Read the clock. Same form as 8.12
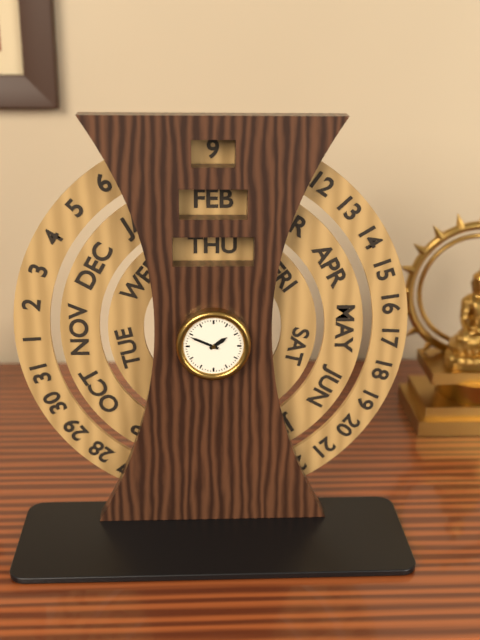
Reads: 1.49
